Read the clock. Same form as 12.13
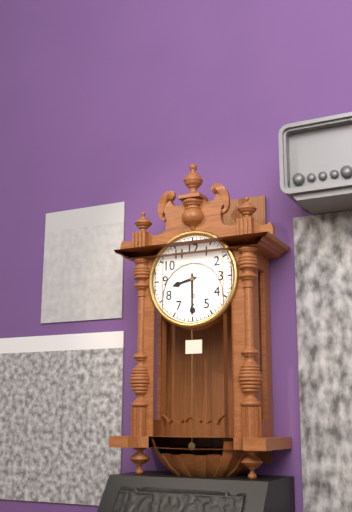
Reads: 8.30
